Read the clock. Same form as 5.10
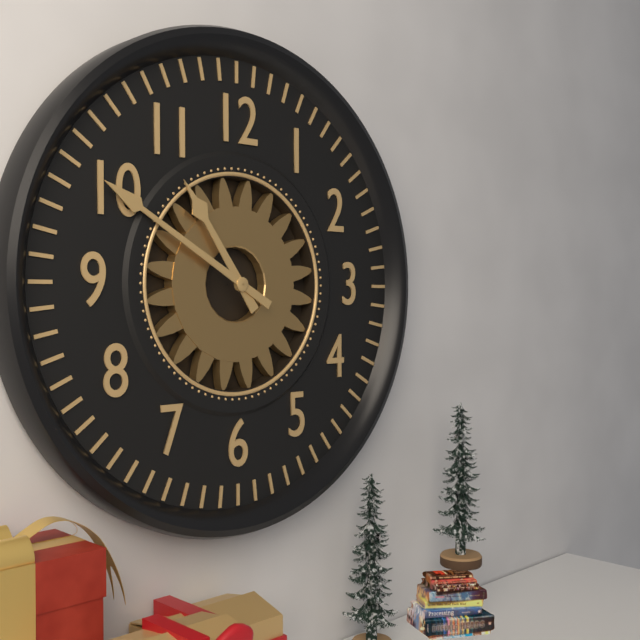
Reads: 10.50
